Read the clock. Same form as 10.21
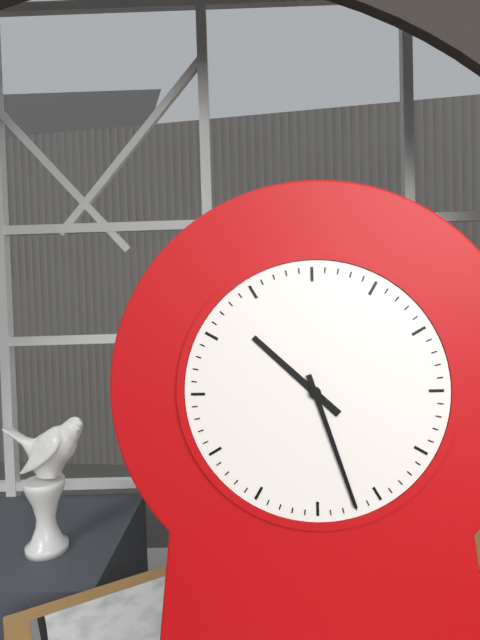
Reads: 10.27
